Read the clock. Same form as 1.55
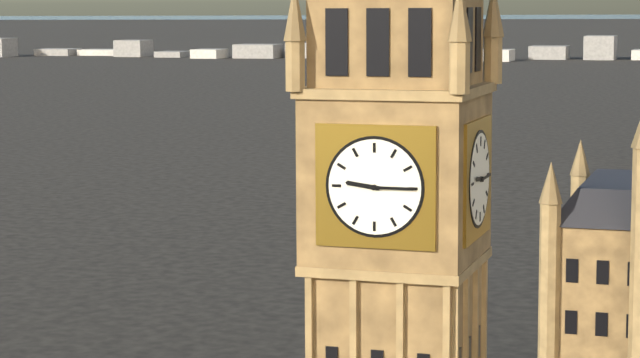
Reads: 9.15
